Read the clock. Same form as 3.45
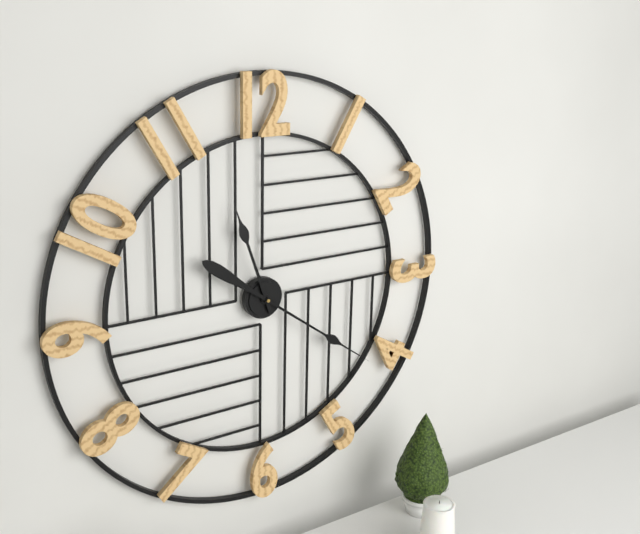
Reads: 11.21
